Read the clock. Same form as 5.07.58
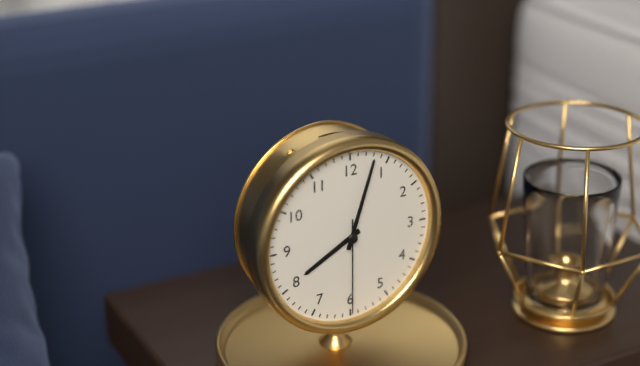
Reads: 8.03.30
